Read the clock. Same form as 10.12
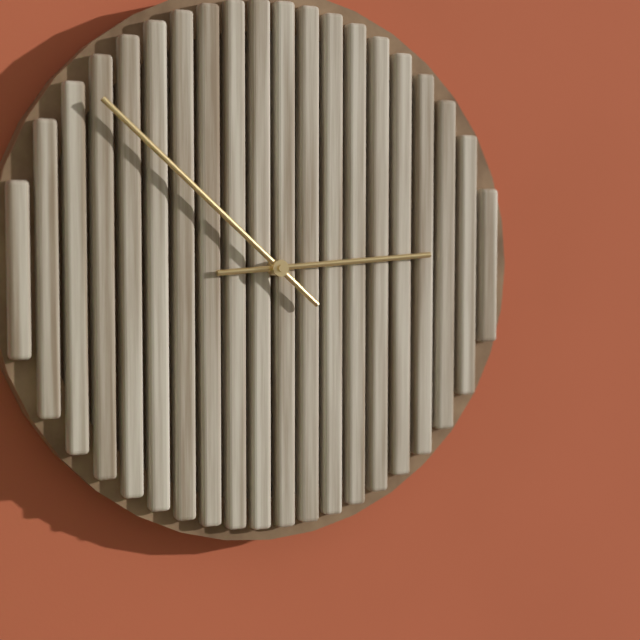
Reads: 2.52
